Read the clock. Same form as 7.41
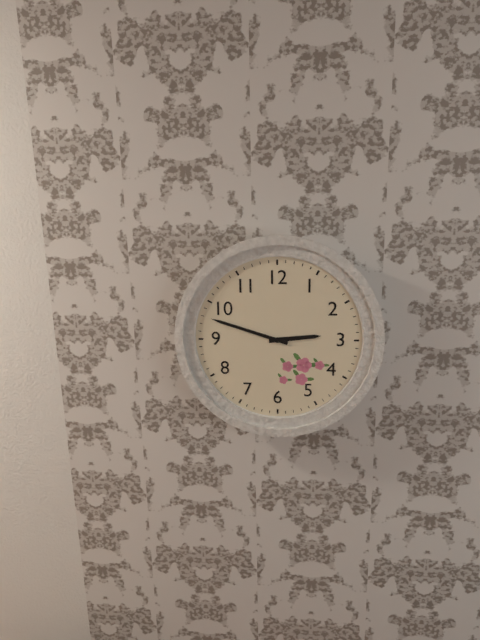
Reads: 2.48
